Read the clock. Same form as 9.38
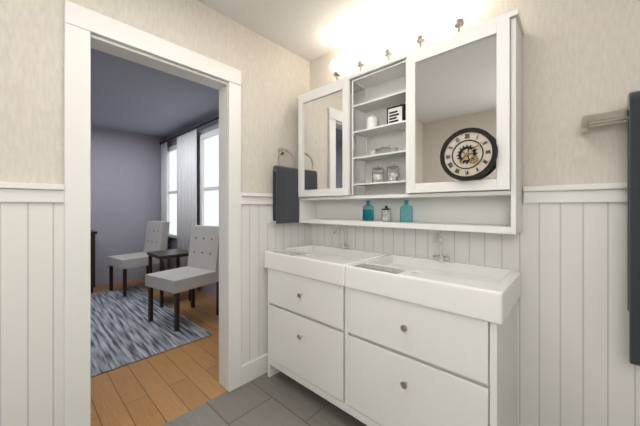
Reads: 7.09
